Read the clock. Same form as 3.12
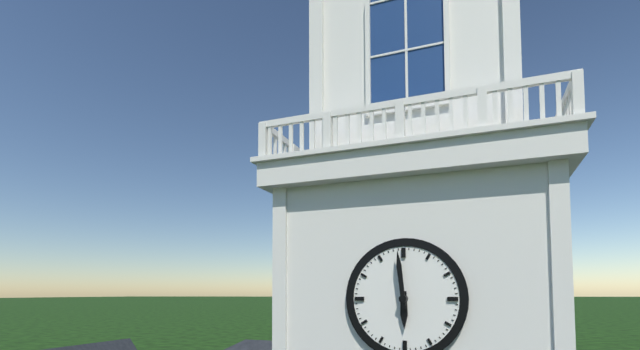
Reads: 5.59
